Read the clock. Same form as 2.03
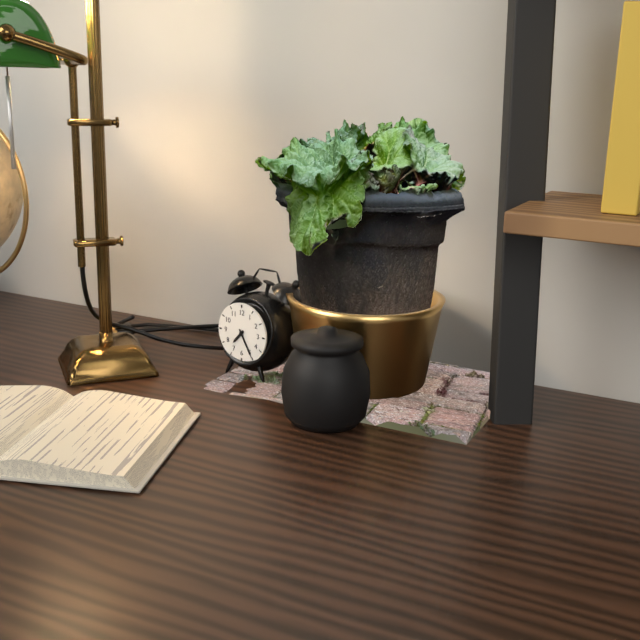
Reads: 7.25
